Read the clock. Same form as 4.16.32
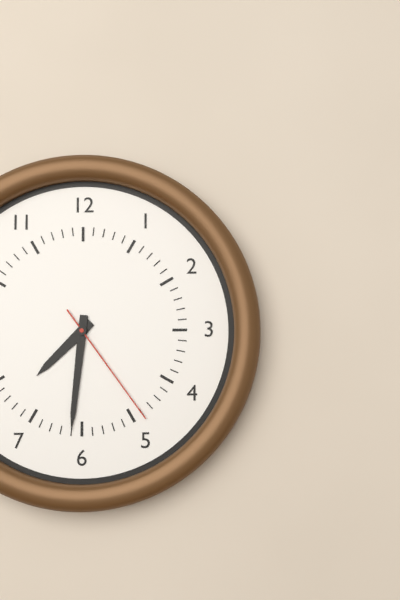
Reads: 7.31.24
